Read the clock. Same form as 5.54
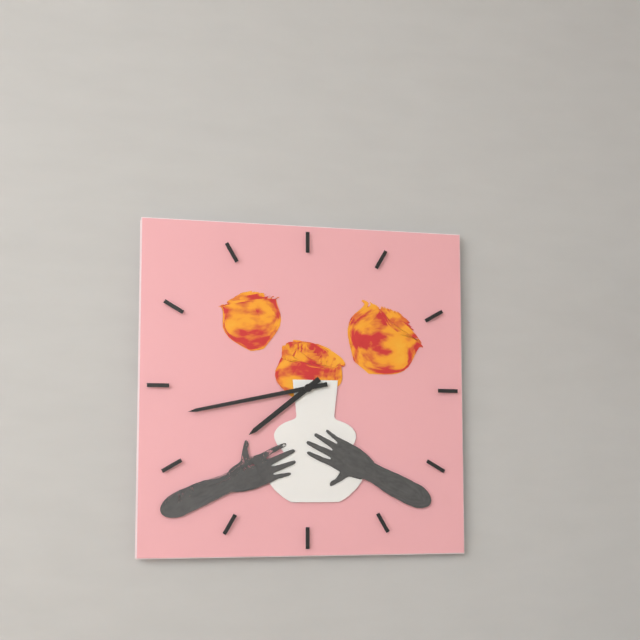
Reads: 7.43
